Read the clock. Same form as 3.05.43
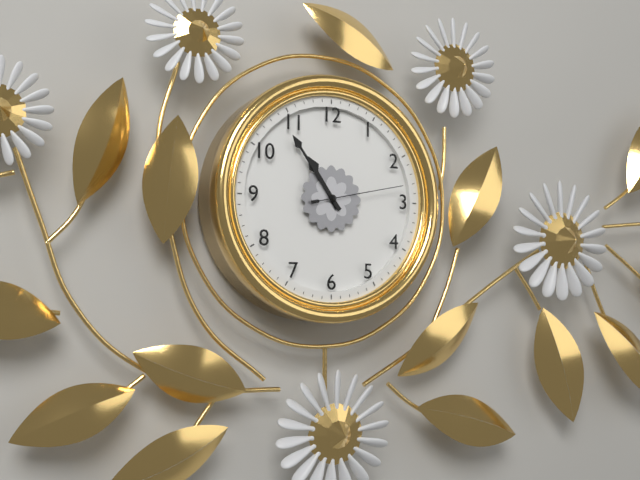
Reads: 10.54.13
